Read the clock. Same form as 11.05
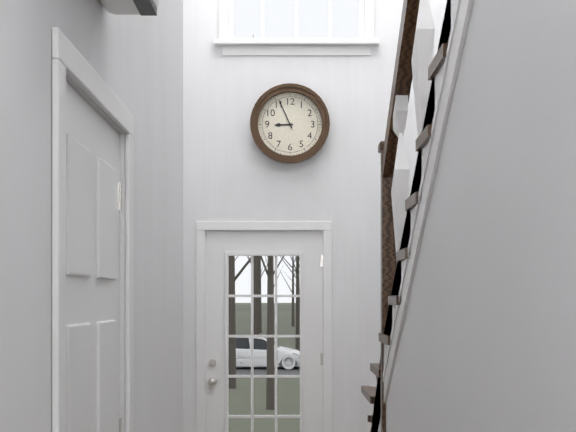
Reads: 8.56
